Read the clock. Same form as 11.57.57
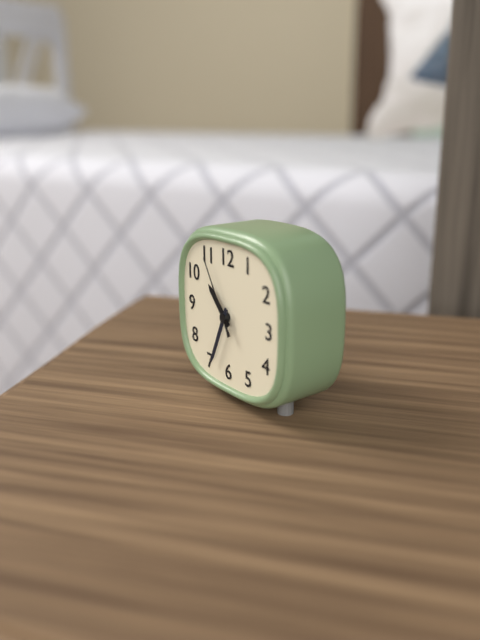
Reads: 10.34.55
